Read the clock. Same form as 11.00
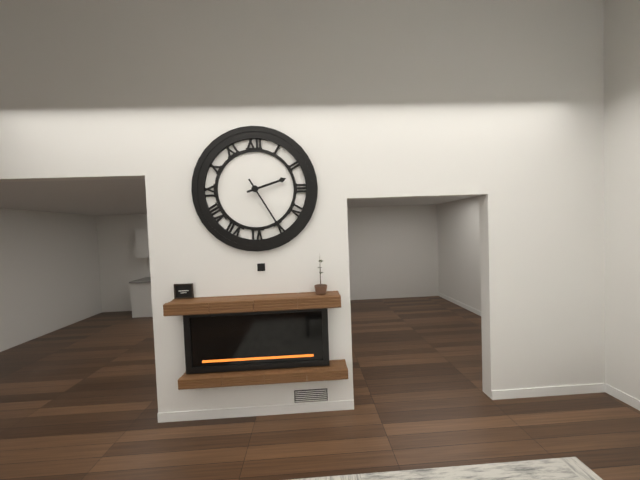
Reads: 2.25
